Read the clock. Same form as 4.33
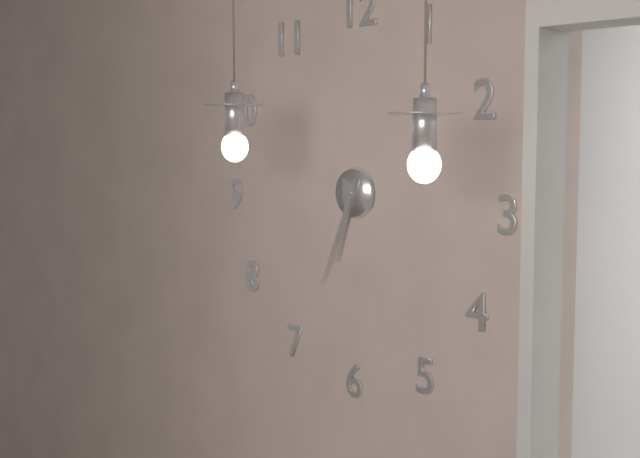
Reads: 6.34
